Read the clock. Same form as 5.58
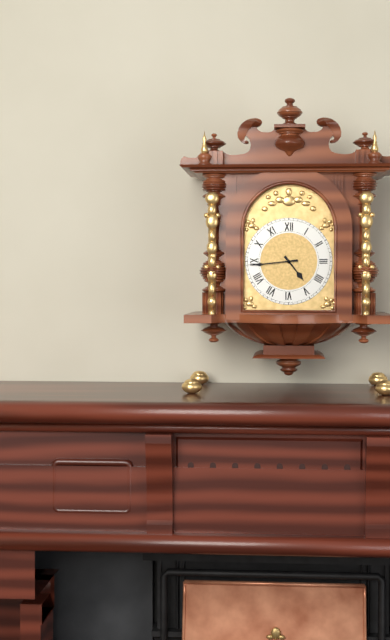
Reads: 4.44
